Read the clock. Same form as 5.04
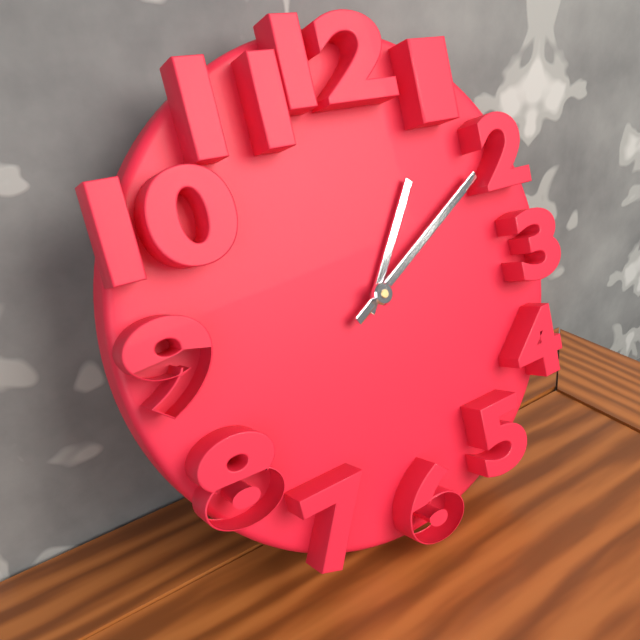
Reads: 1.10
